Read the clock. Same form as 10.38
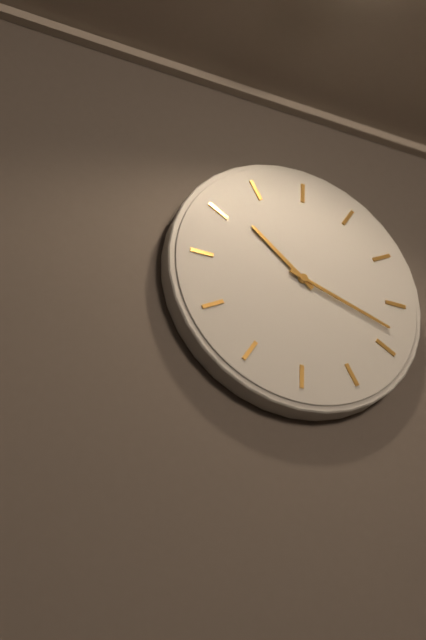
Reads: 10.18
